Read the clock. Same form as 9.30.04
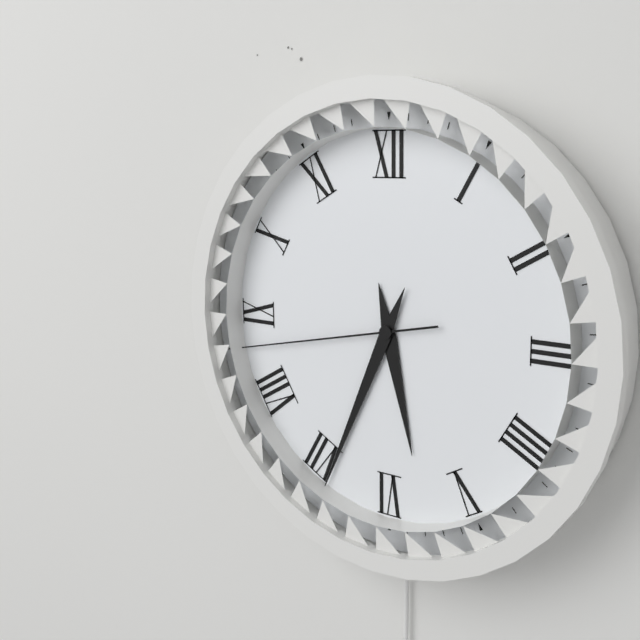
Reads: 5.34.43
